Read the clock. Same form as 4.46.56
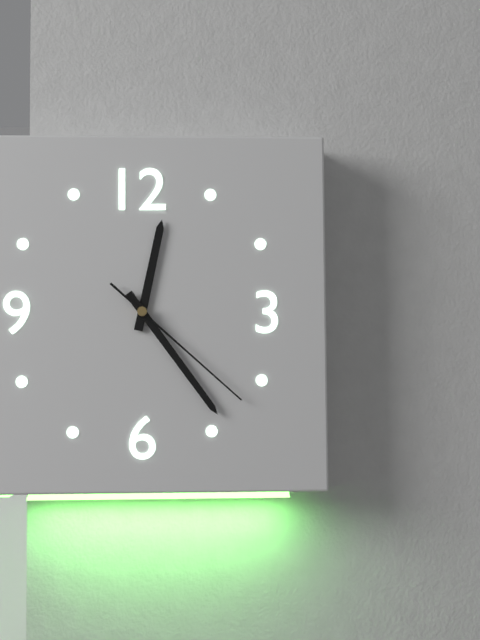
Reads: 12.24.22
